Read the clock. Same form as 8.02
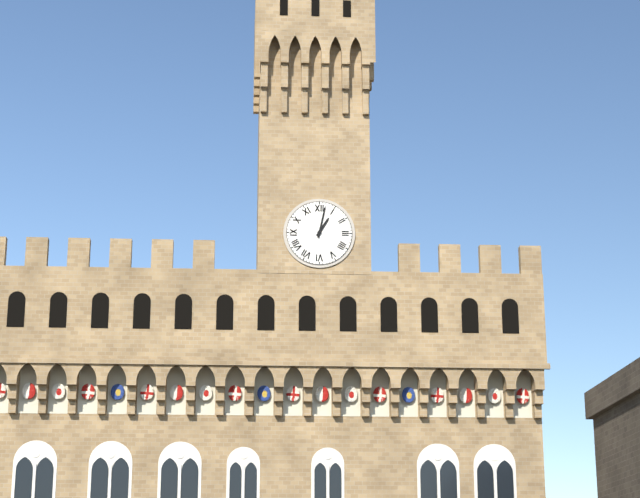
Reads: 1.02
